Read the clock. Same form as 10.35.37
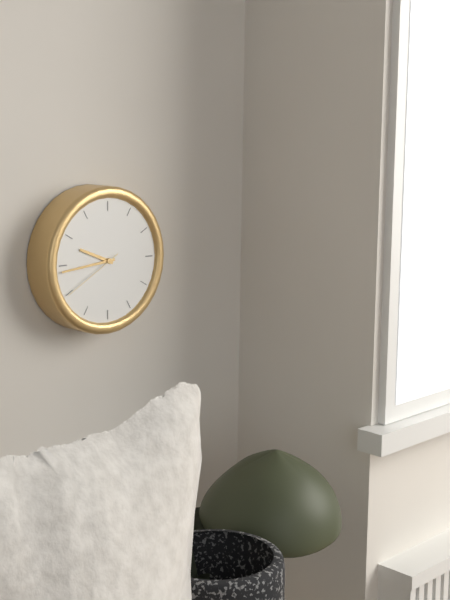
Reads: 9.44.40
